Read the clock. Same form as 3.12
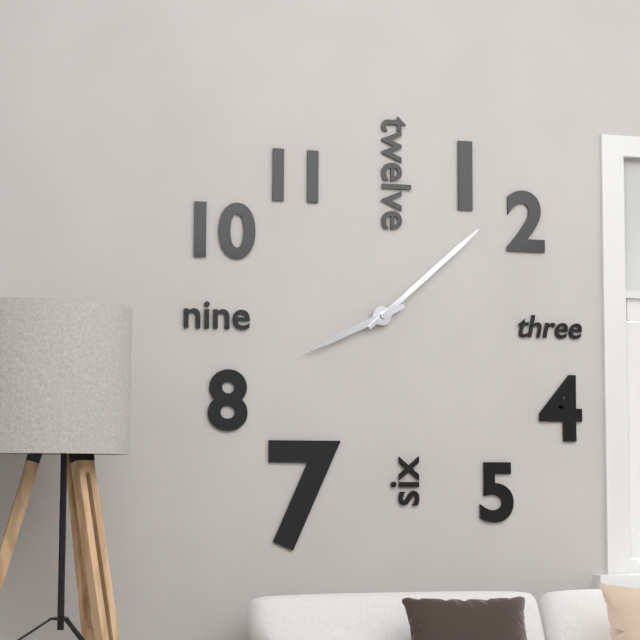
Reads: 8.08
